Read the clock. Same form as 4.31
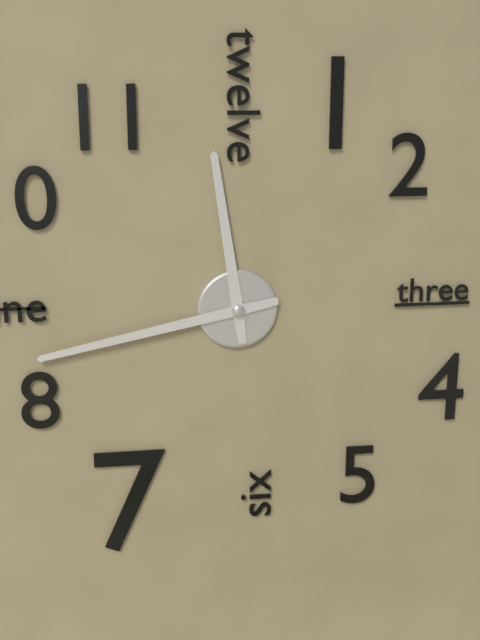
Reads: 11.43
